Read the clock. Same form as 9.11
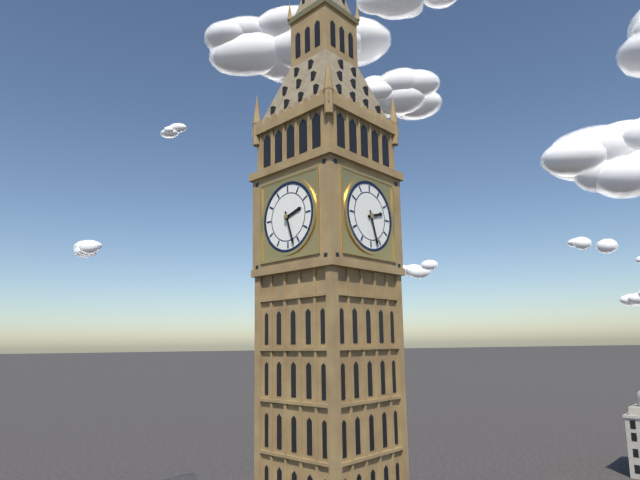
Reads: 2.27
